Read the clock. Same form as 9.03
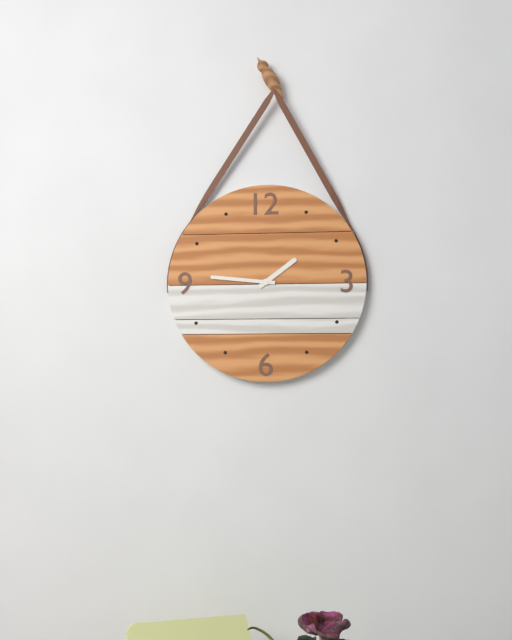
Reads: 1.46
